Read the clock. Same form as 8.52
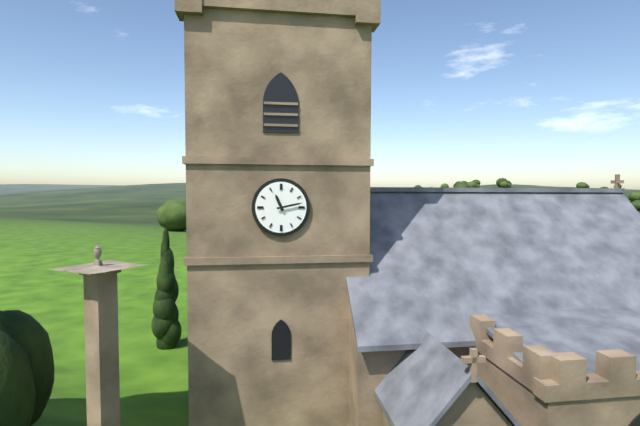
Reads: 11.13
